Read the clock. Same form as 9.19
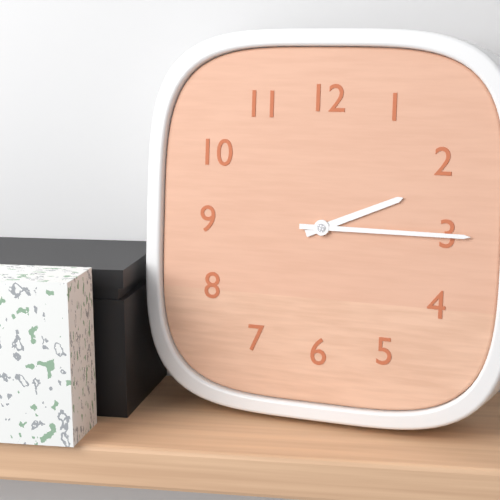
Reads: 2.15
